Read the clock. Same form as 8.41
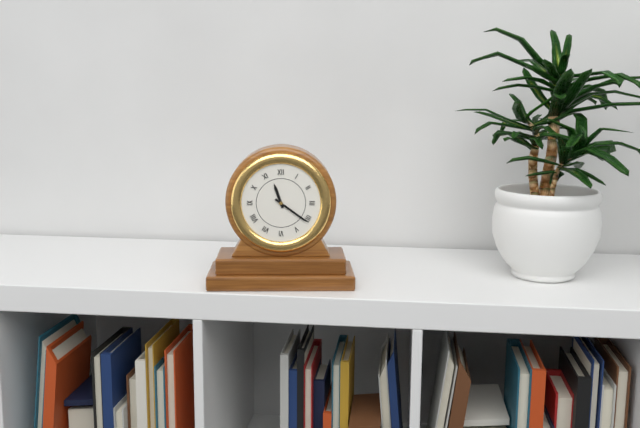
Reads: 11.21
